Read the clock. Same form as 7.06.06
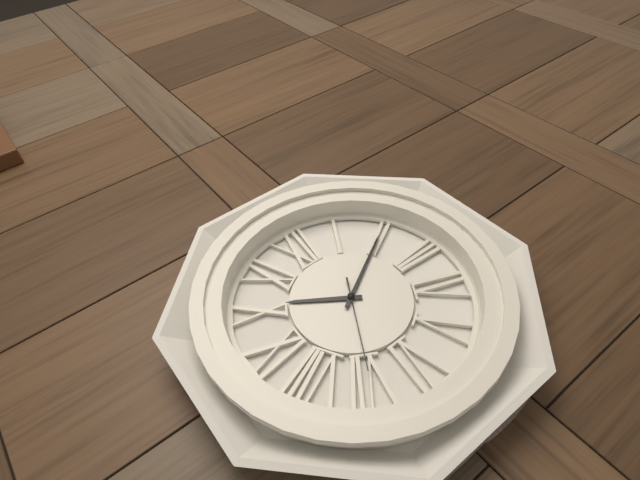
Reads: 10.10.35
